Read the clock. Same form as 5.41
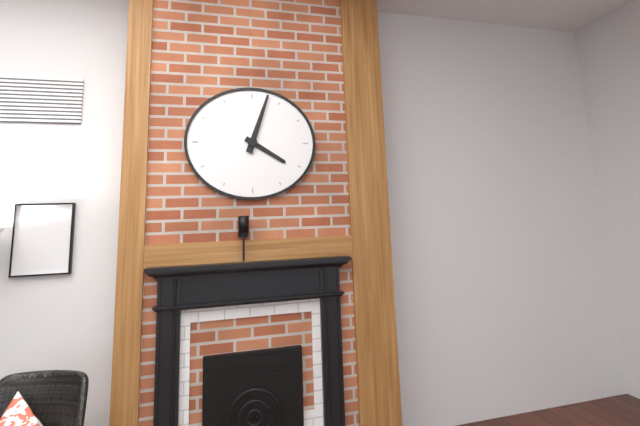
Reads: 4.03
